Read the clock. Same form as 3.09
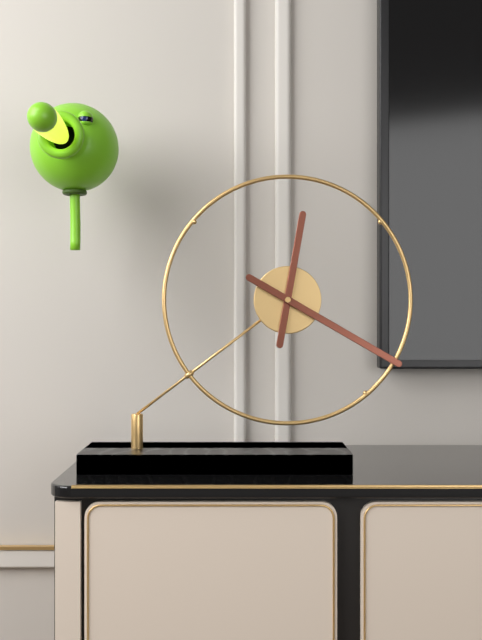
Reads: 12.20
